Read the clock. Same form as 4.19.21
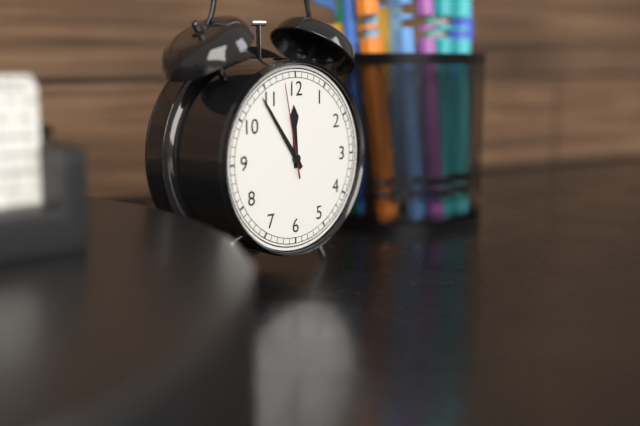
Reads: 11.54.58
